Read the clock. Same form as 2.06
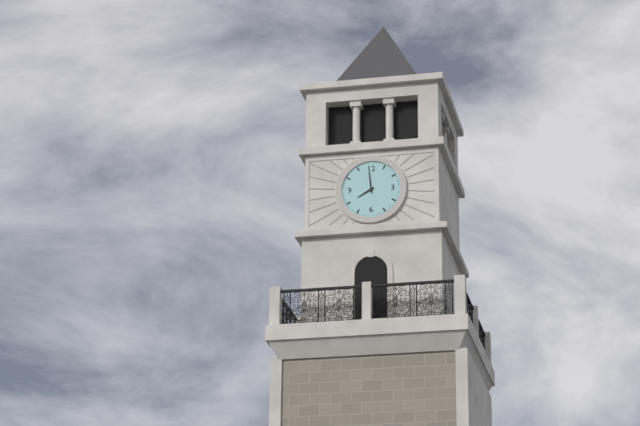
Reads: 7.59
